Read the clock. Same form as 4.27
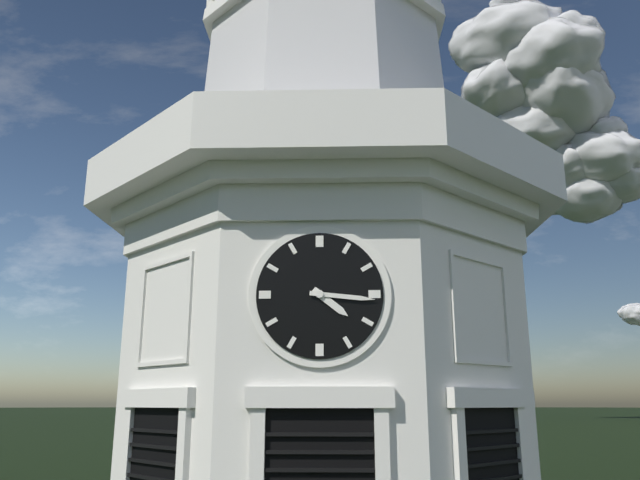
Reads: 4.16
